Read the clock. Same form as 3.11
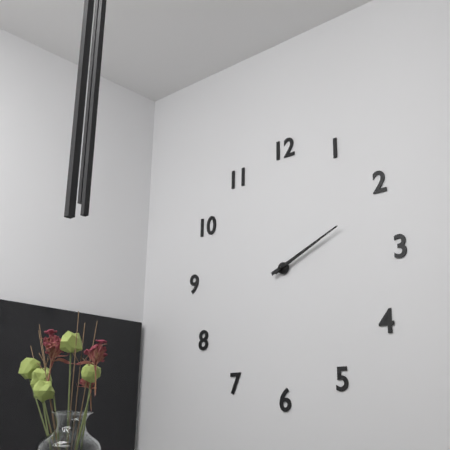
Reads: 2.11
